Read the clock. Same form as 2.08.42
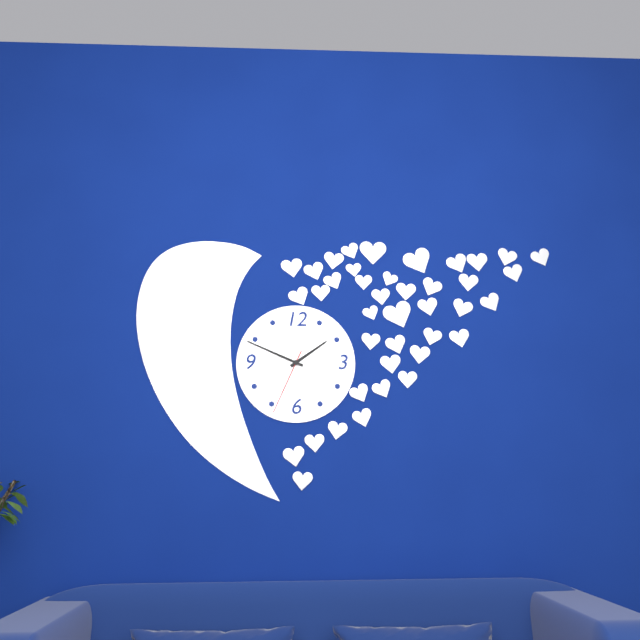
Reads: 1.49.34
